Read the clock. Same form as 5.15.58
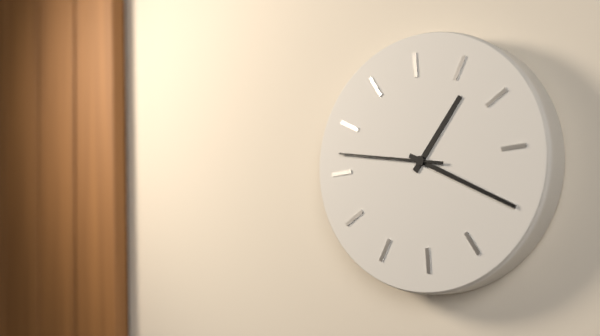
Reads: 1.20.47
